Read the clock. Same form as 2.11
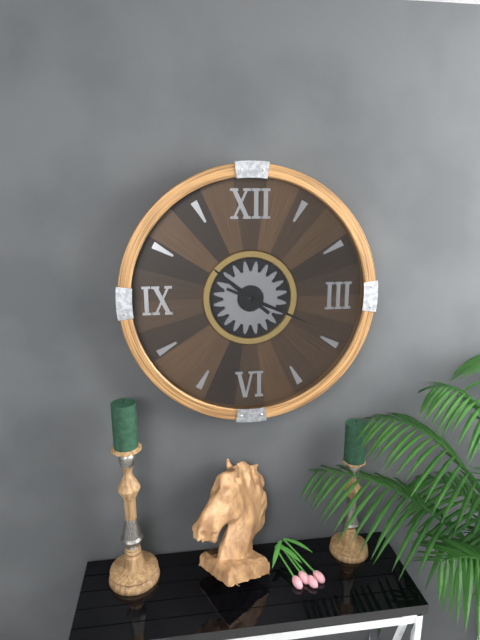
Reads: 10.19
